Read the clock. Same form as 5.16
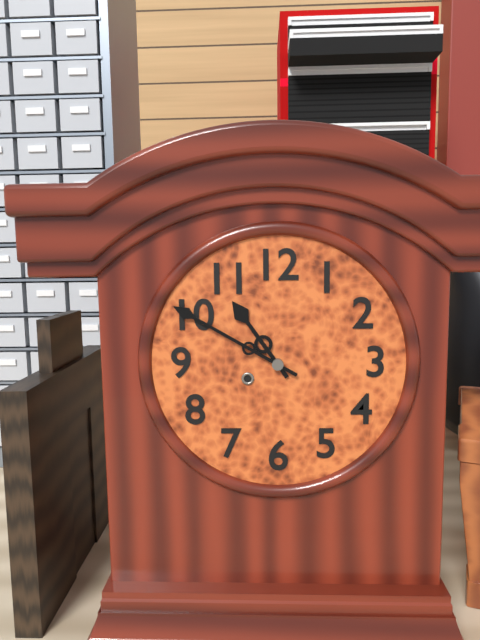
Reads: 10.50
